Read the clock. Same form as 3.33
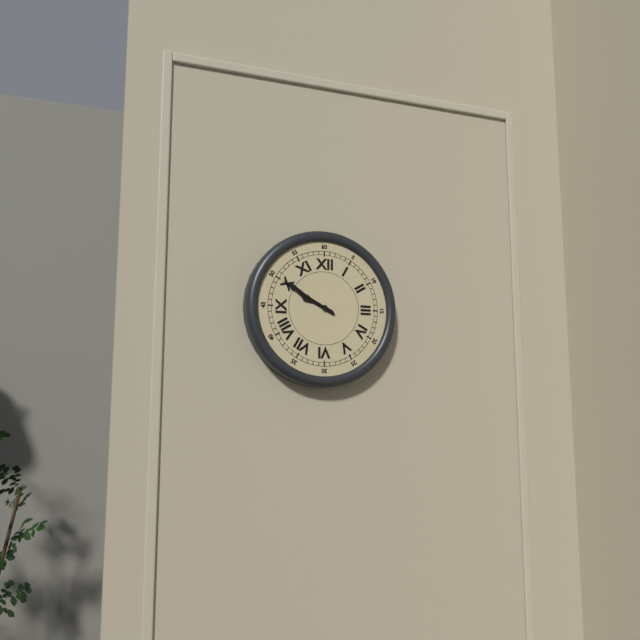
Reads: 9.50
